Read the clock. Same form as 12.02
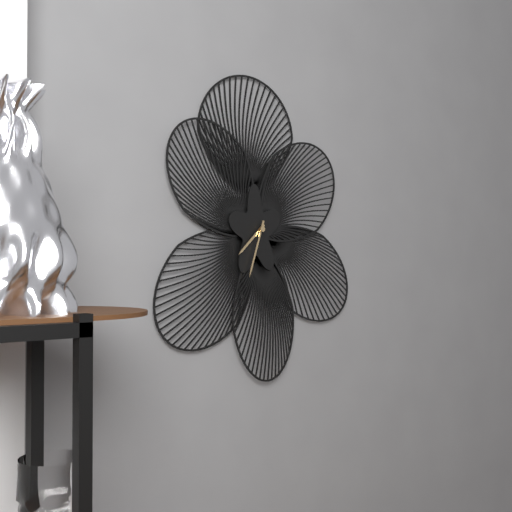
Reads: 7.33
